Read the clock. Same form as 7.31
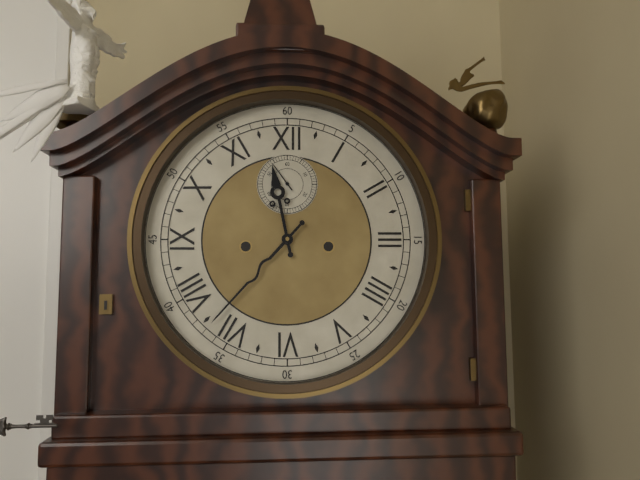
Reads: 11.37
